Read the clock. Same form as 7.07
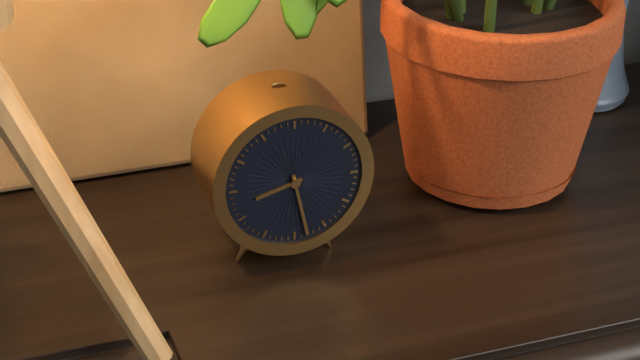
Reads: 8.28
